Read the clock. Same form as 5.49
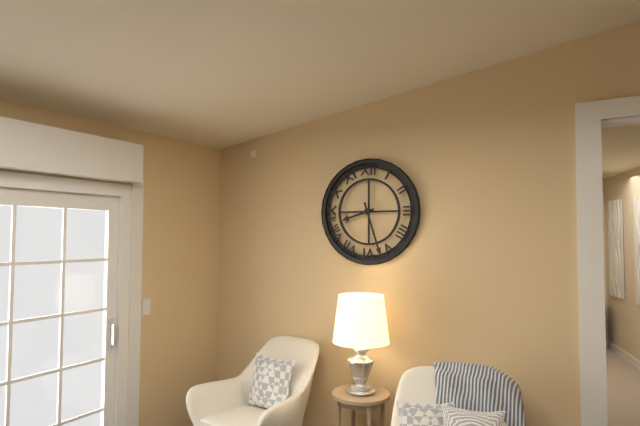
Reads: 8.27
